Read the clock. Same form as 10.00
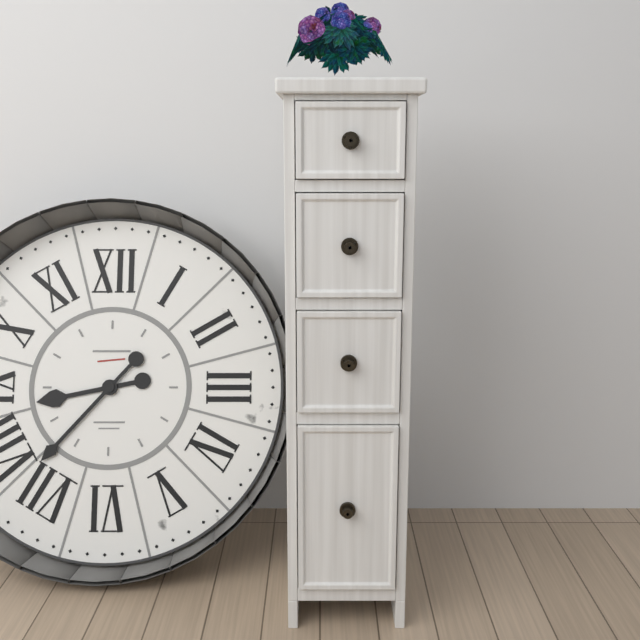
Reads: 8.37
